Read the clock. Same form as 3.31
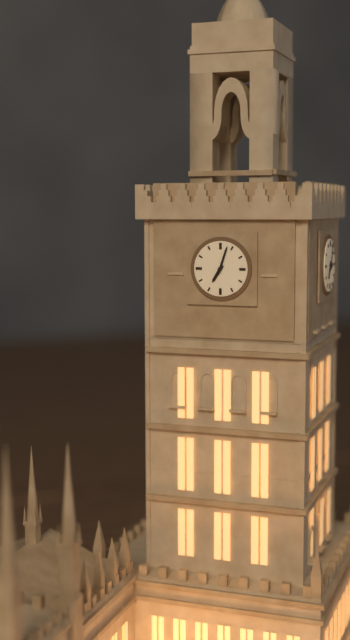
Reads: 7.03
